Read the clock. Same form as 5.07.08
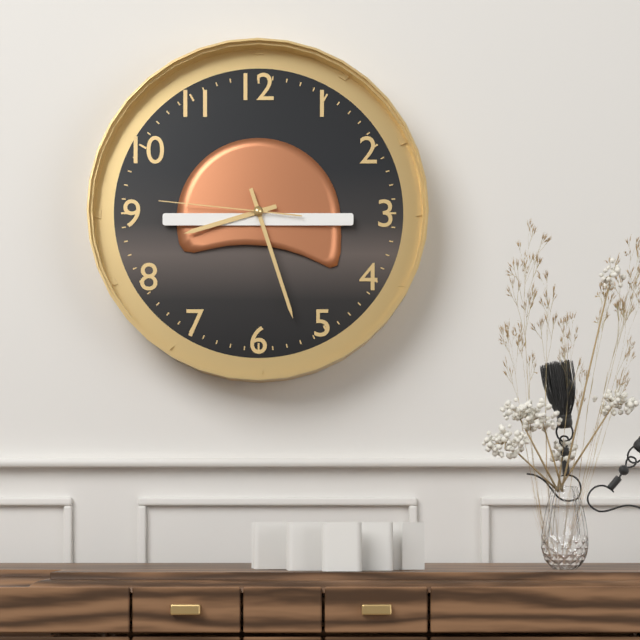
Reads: 8.27.46
